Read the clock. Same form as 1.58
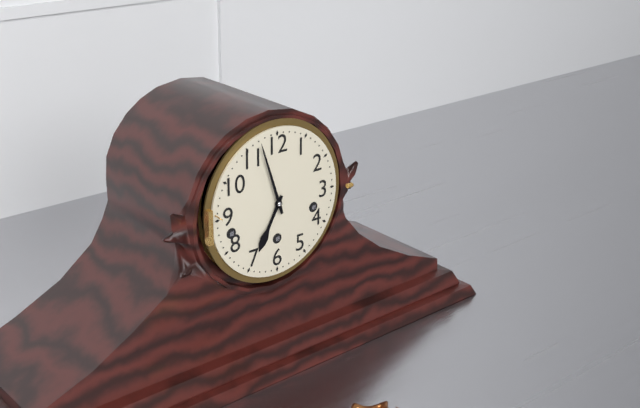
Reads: 6.57
